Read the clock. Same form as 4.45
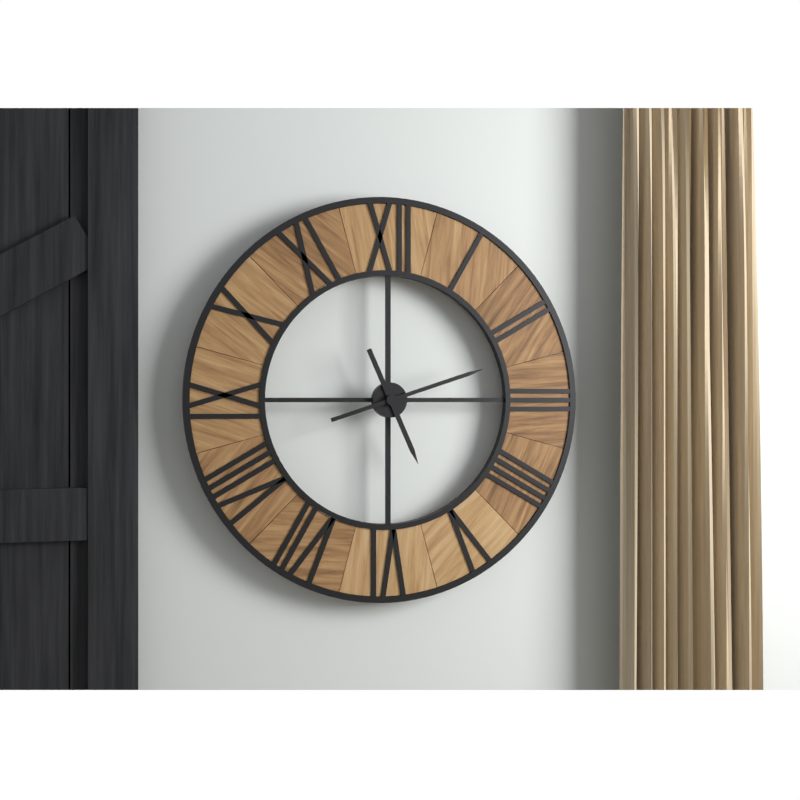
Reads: 5.12
